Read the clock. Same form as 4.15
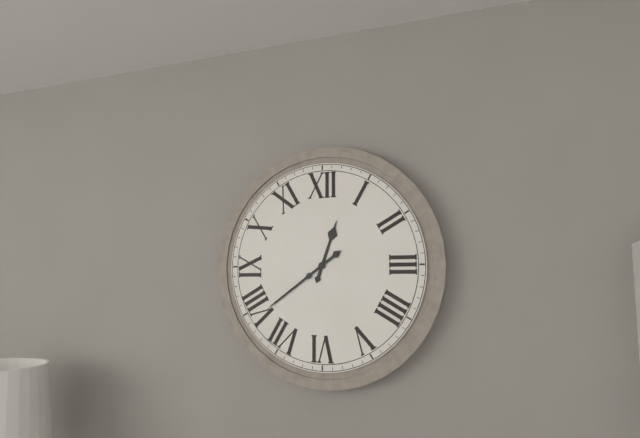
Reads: 12.39
